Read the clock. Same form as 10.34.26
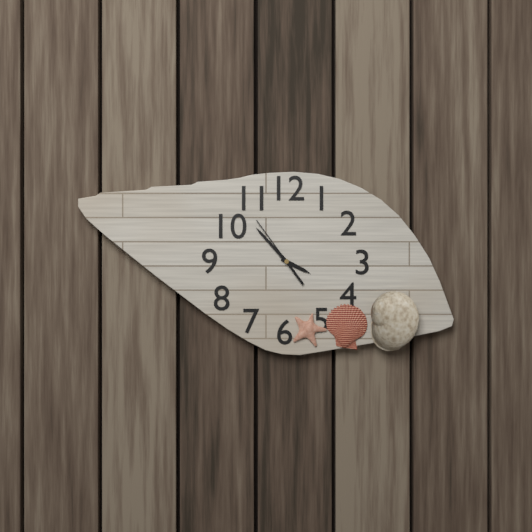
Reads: 3.53.54
